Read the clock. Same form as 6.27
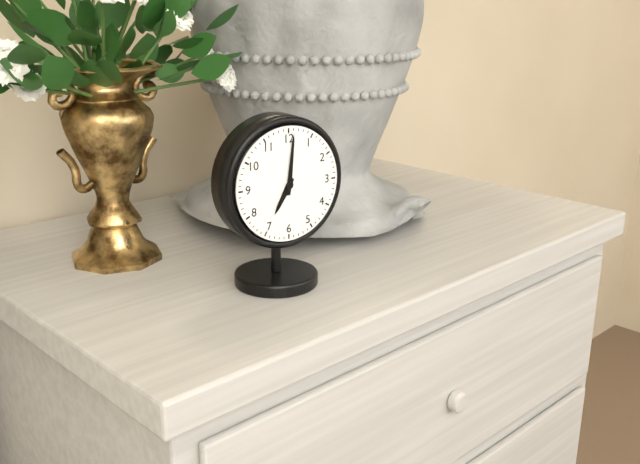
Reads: 7.01
